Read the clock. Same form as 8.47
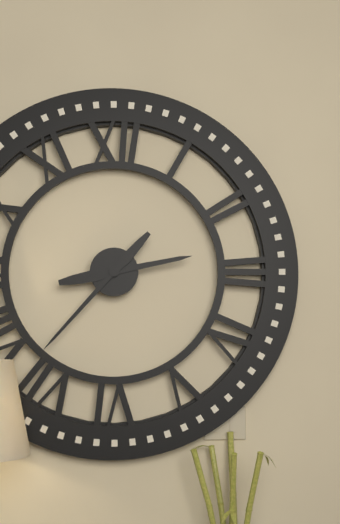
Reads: 2.37
